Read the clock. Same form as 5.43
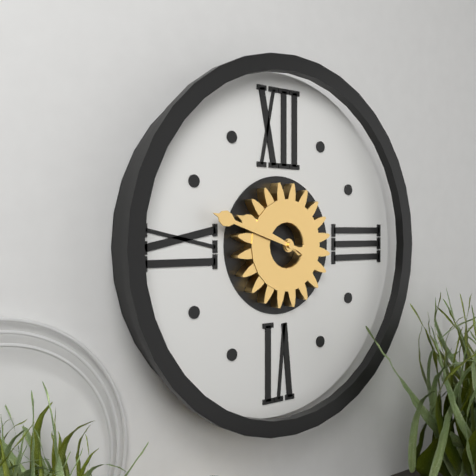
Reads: 9.48
